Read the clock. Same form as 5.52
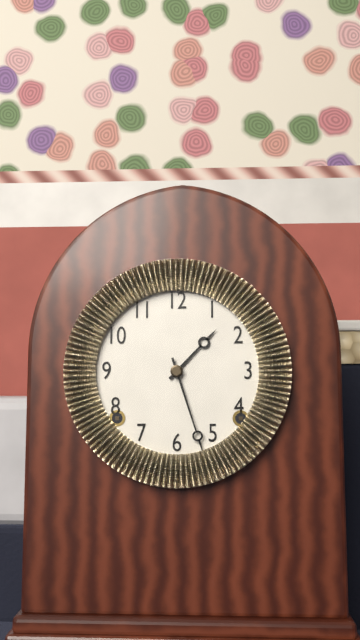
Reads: 1.27
